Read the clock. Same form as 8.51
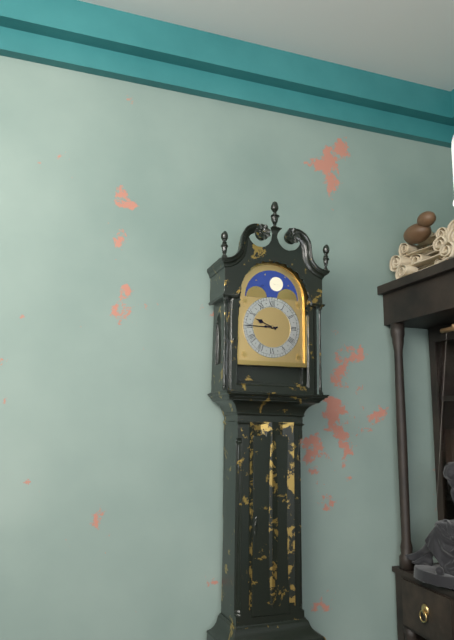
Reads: 9.45
